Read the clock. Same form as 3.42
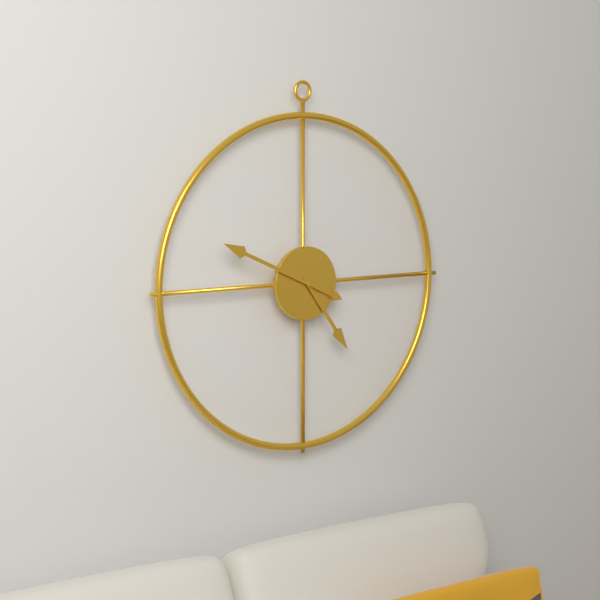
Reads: 4.49
